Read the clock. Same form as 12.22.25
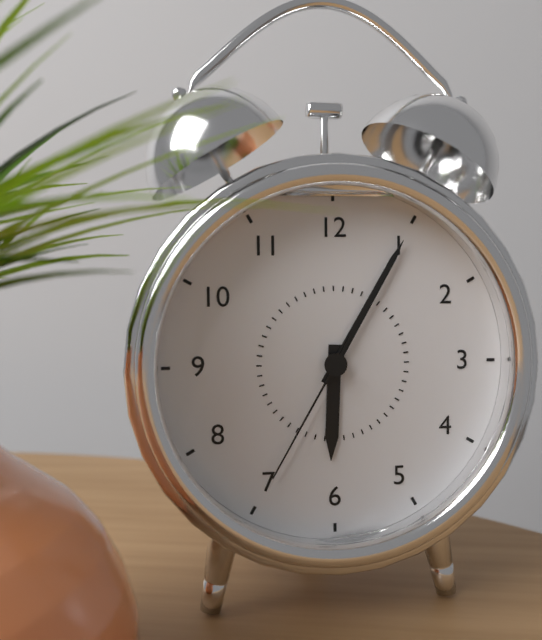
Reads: 6.05.35
